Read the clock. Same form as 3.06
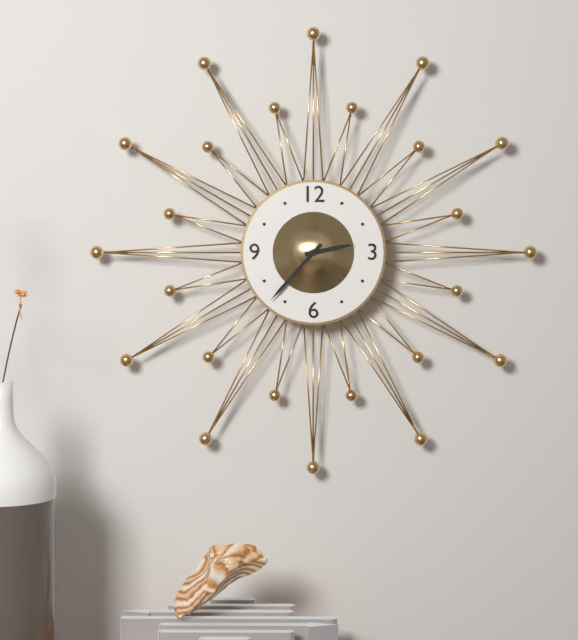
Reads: 2.37
